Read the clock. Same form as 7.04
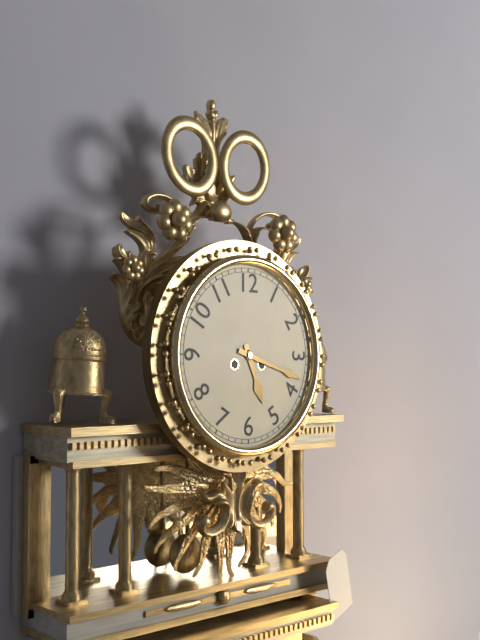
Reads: 5.18
